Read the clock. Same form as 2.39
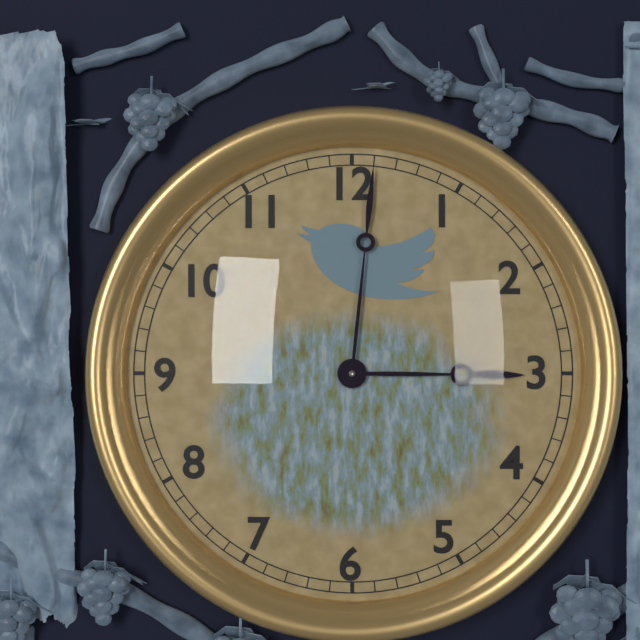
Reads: 3.01
